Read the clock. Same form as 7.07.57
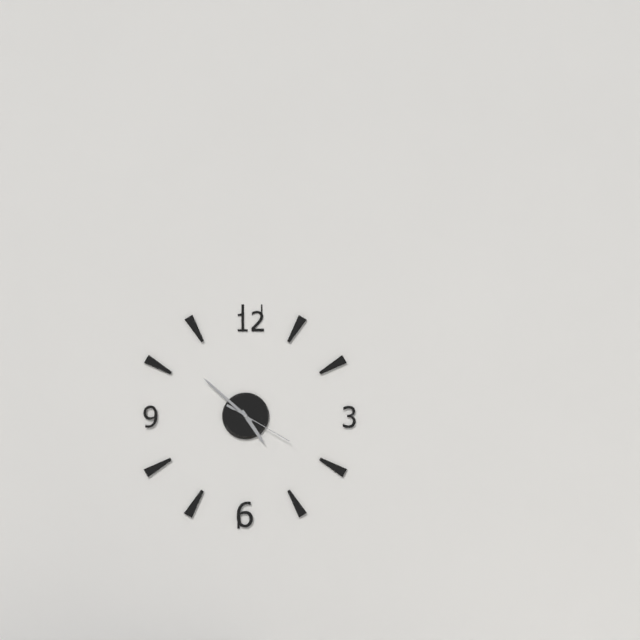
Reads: 4.52.20
